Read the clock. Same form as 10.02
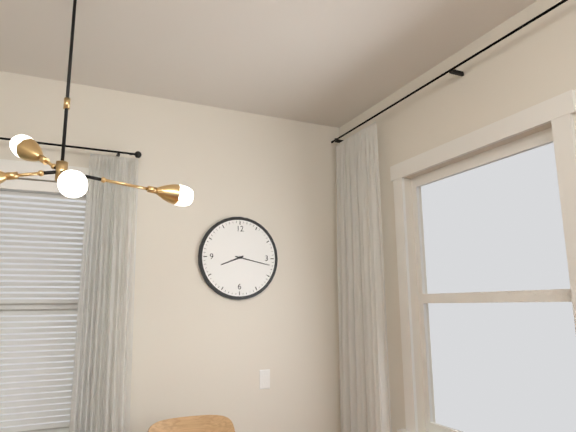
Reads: 8.17
